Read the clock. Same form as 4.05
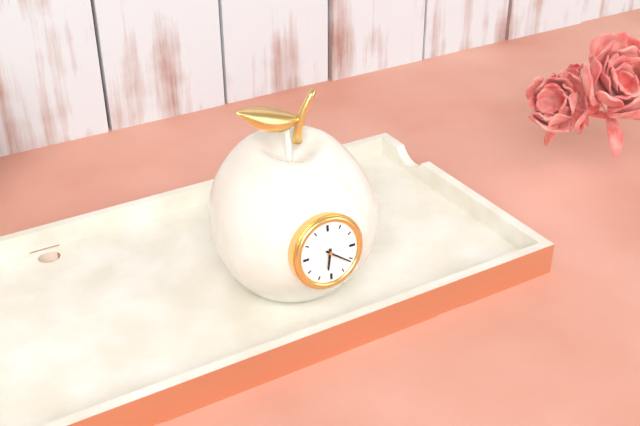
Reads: 6.21
